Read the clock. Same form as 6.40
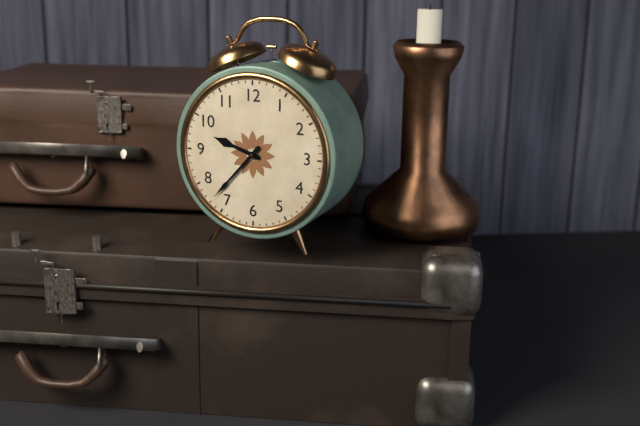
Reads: 9.37
